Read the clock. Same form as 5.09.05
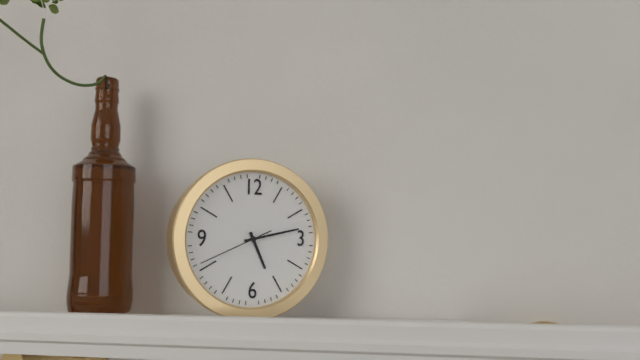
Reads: 5.13.41
